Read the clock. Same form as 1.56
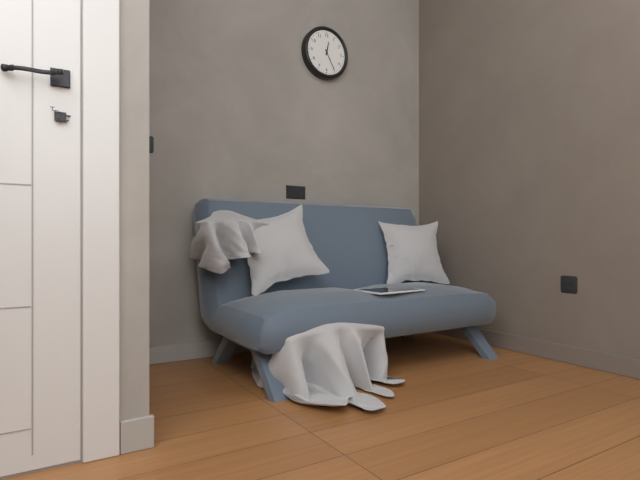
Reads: 12.25
